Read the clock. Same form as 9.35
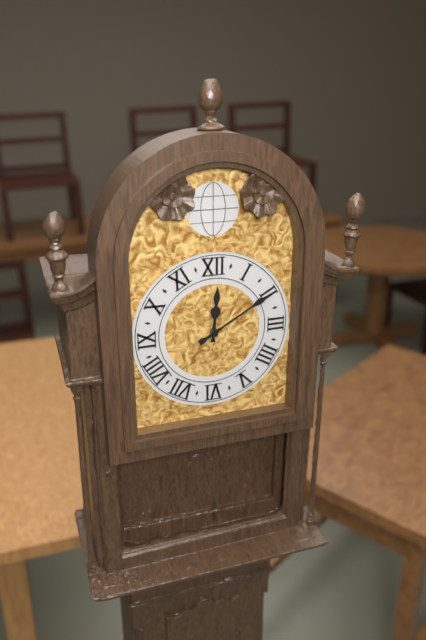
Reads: 12.10
